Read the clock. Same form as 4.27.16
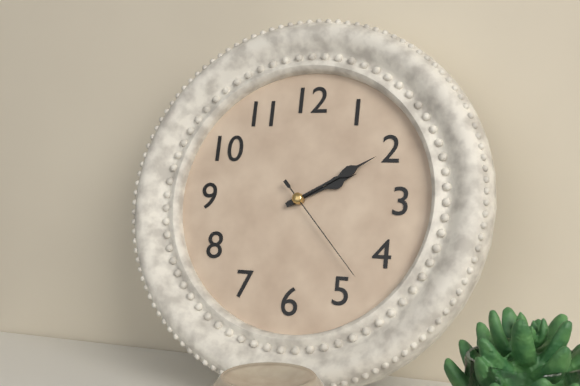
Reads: 2.10.23
